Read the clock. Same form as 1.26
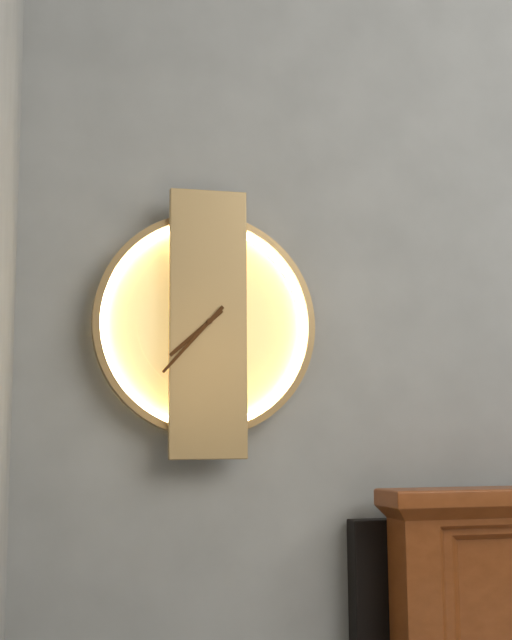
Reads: 7.37
